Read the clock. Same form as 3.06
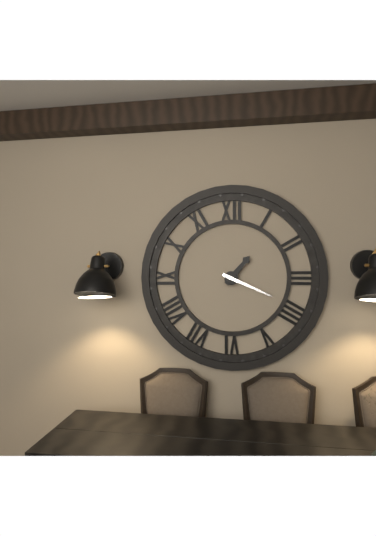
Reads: 1.19
